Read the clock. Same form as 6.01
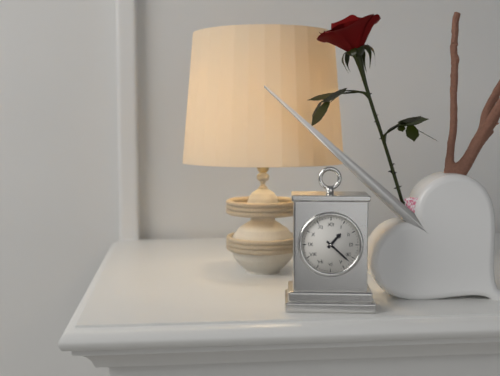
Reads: 1.22
